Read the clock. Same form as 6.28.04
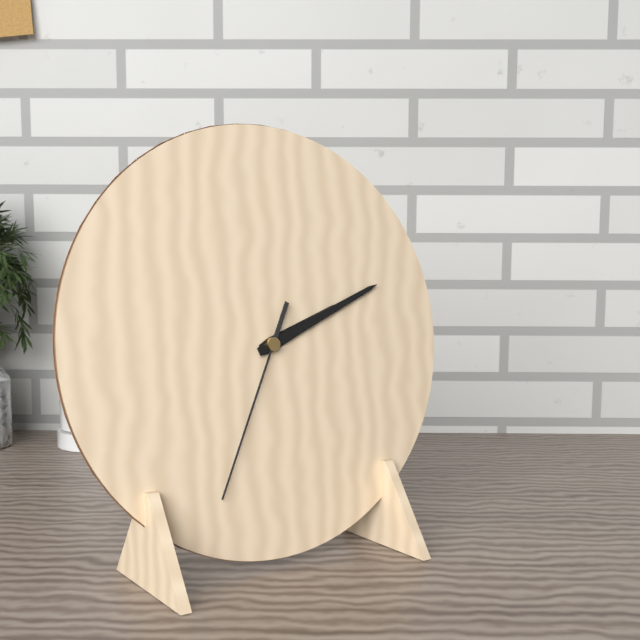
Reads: 2.11.34
